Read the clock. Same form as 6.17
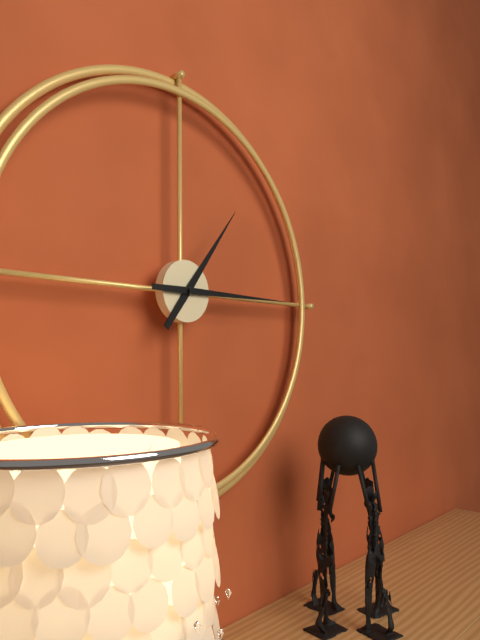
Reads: 1.15
